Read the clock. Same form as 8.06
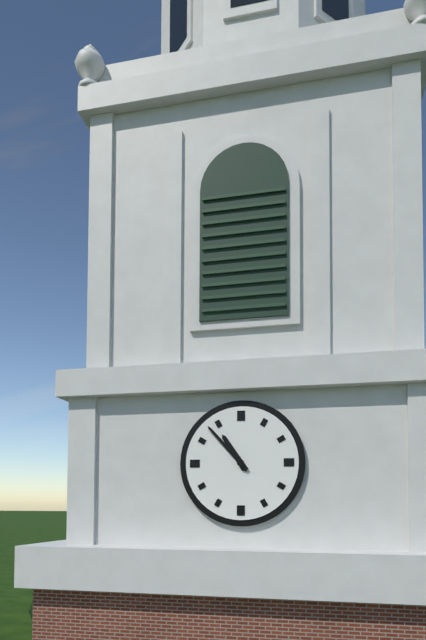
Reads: 10.53
